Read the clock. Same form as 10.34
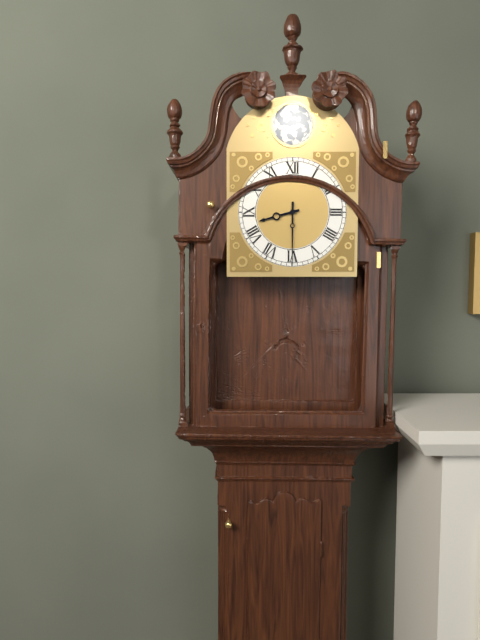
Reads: 8.30
